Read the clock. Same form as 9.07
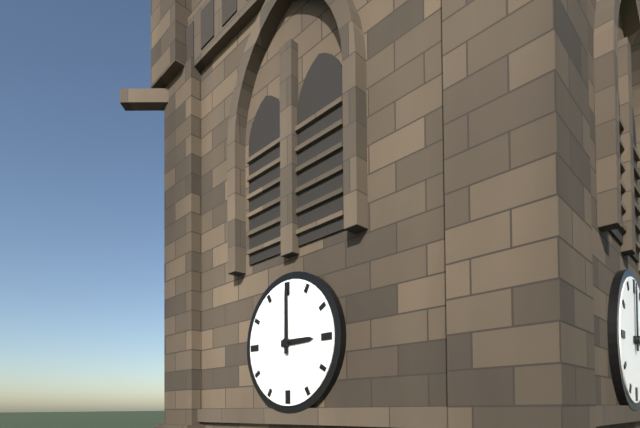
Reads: 3.00
